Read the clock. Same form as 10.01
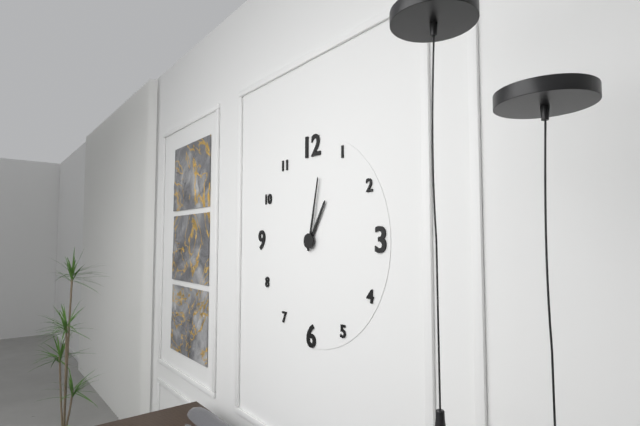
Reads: 1.02
